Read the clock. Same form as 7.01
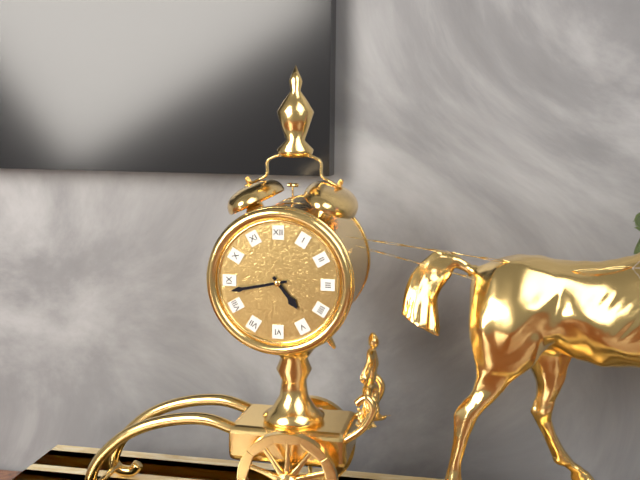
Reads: 4.43
